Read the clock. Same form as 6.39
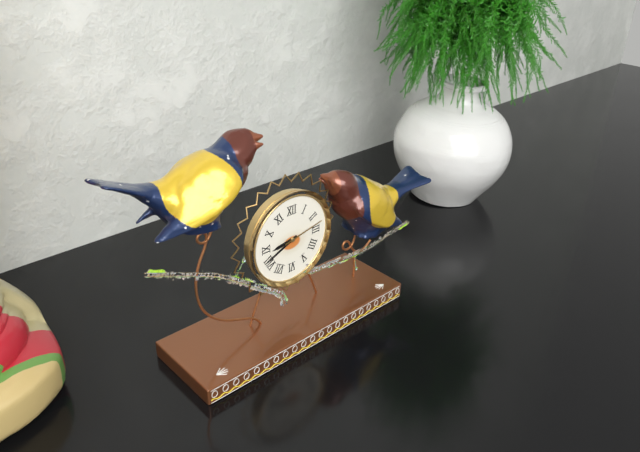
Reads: 8.41
